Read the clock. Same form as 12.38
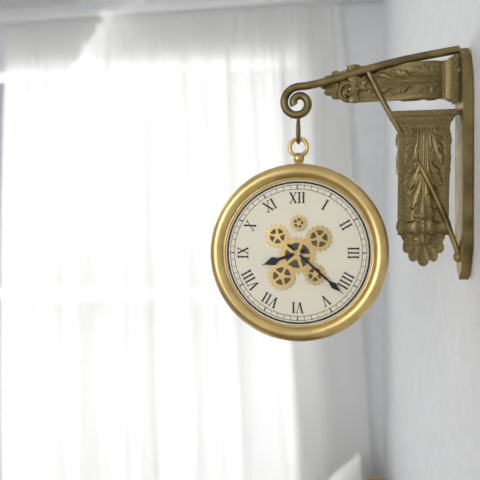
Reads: 8.22
